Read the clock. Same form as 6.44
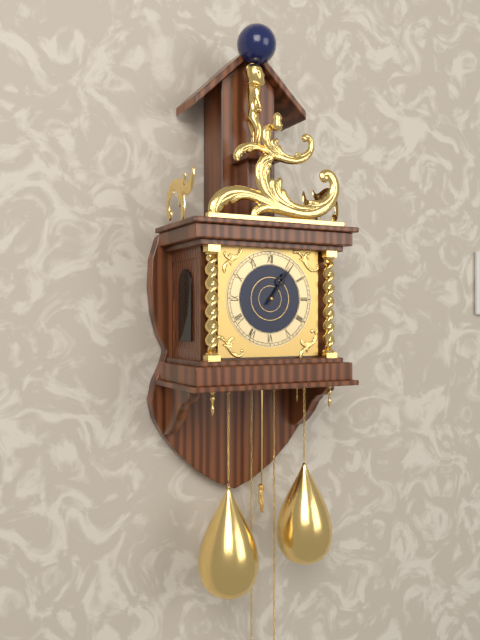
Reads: 1.06
